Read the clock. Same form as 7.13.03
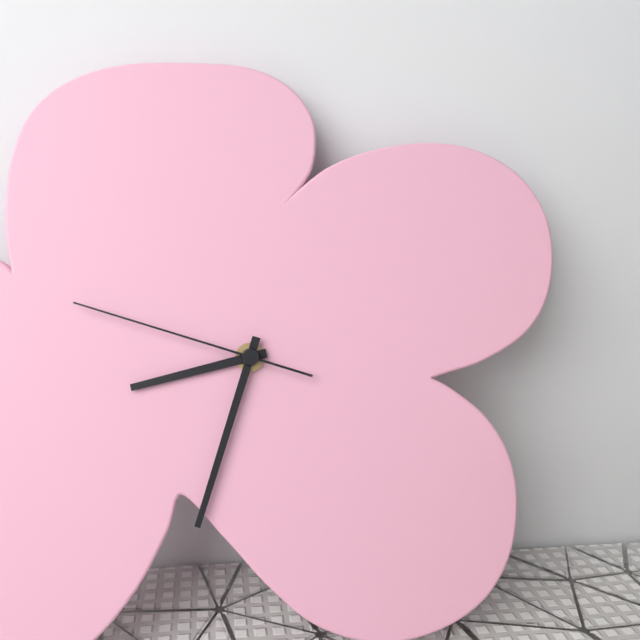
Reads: 8.33.48
